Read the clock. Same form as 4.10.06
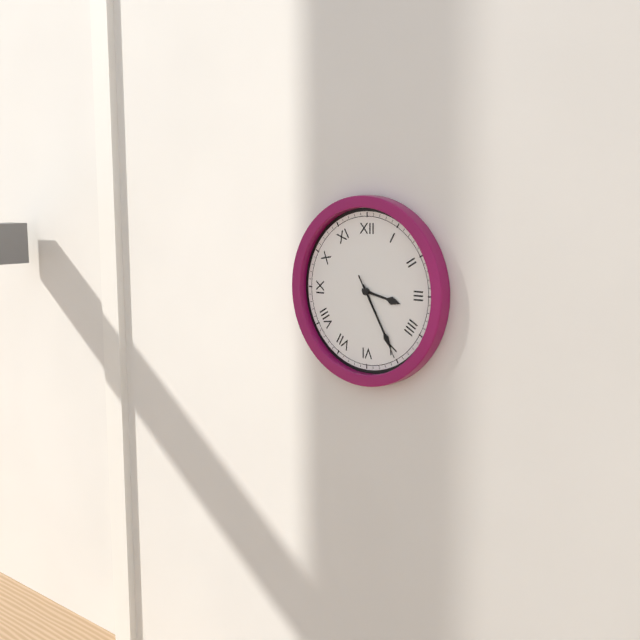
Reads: 3.25.25
